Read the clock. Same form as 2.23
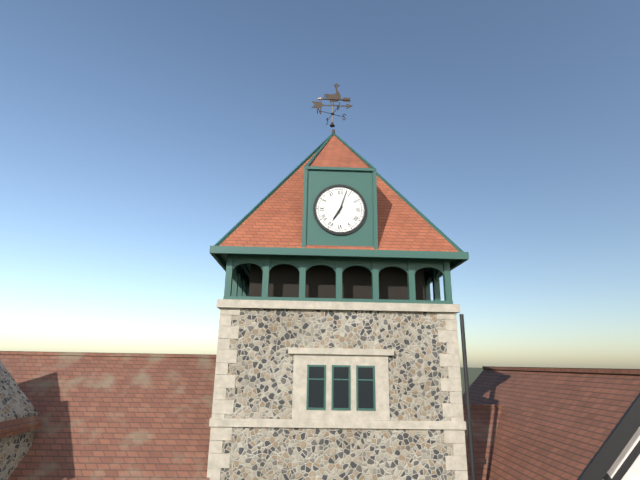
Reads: 7.03
